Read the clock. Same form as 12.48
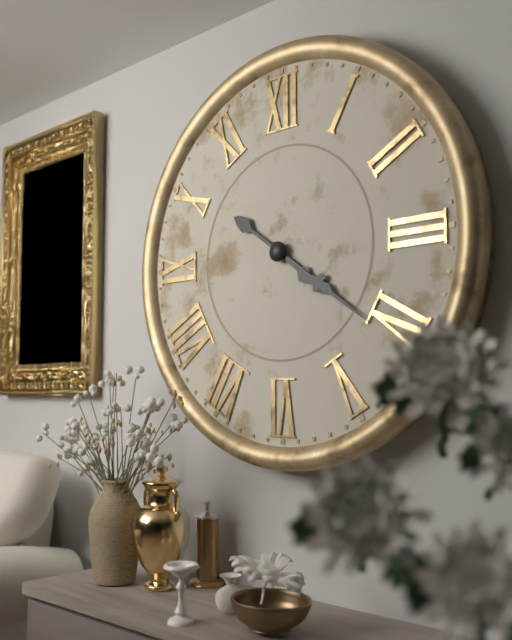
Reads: 4.21
